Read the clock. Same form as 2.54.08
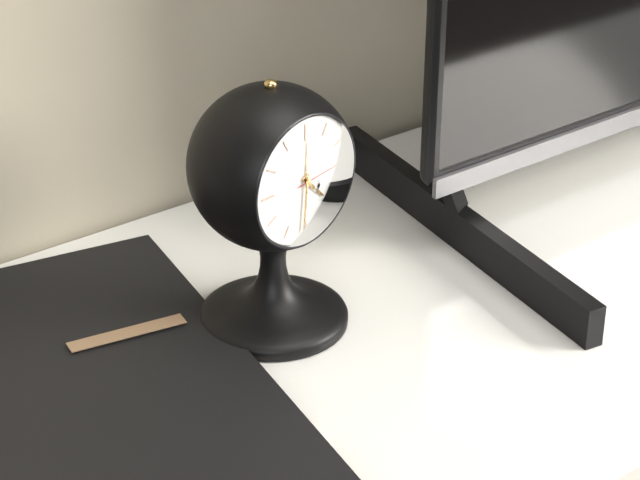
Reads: 4.31.14
